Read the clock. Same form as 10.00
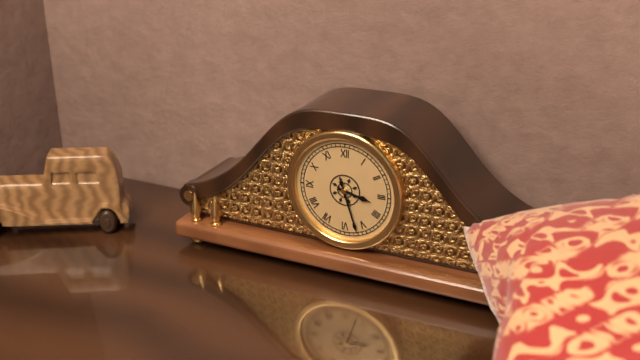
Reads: 3.27
